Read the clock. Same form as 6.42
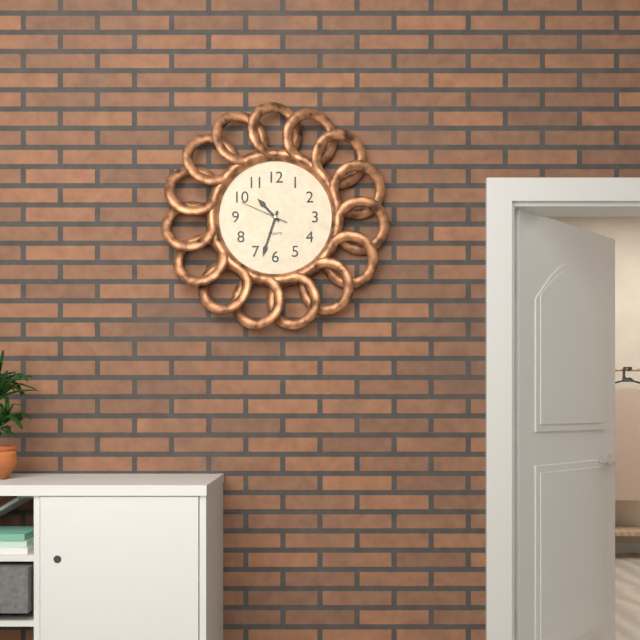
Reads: 10.33
